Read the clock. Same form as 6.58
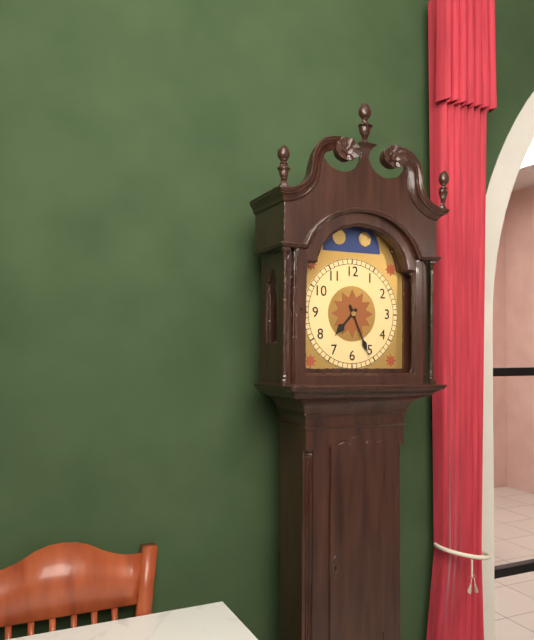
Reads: 7.26
